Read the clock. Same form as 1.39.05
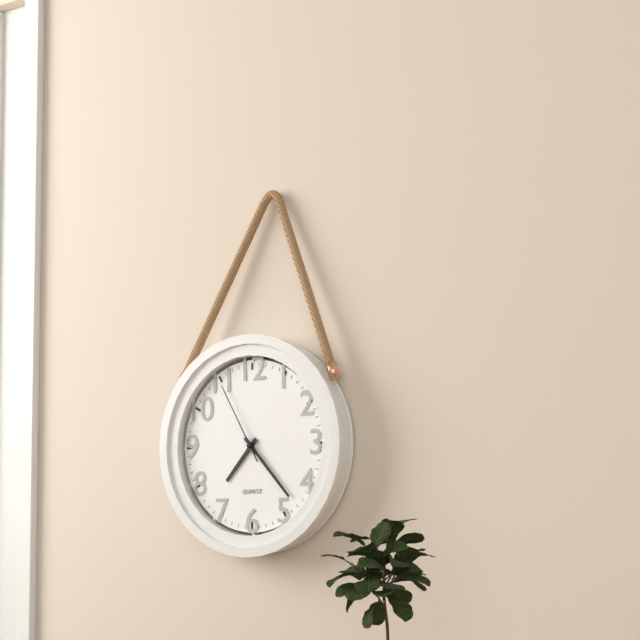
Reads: 7.23.55
